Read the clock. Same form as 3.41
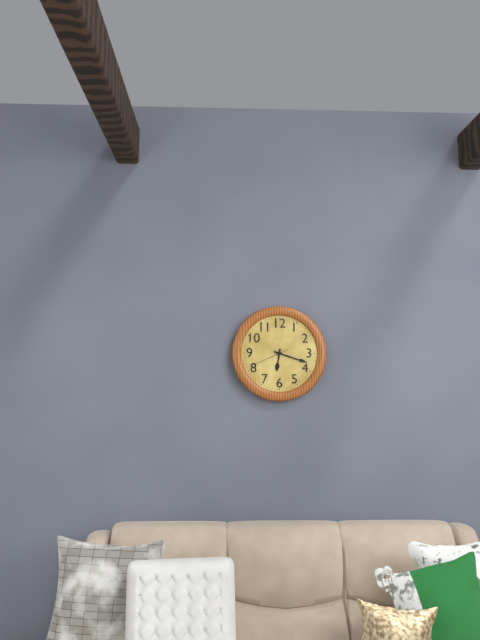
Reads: 6.18
